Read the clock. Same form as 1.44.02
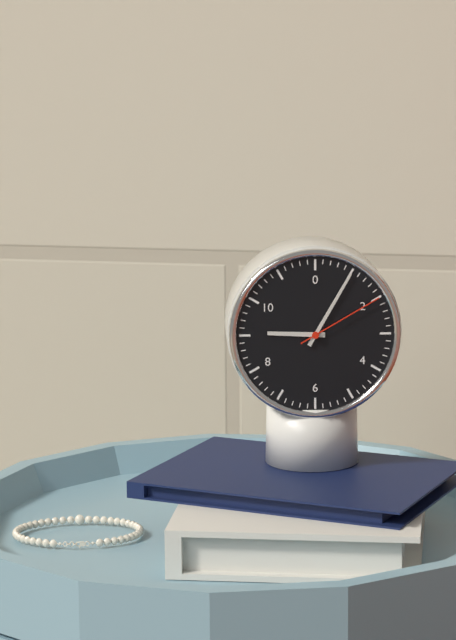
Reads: 9.05.10
